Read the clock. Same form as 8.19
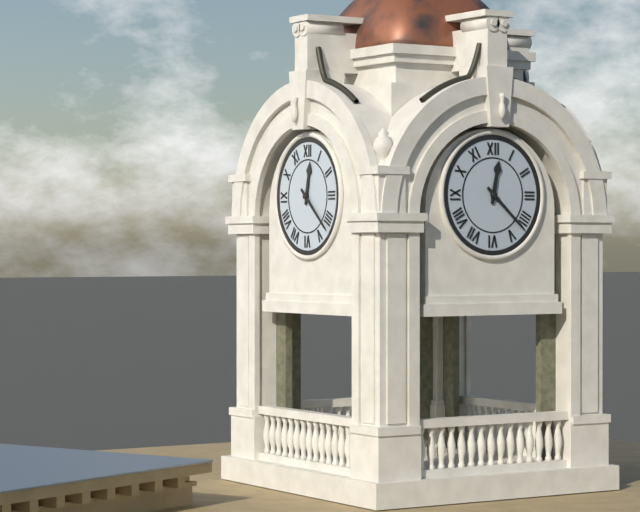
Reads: 12.22
